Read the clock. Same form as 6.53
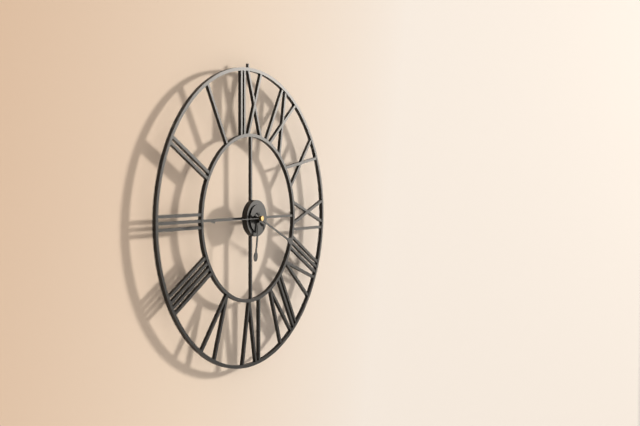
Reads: 6.19
